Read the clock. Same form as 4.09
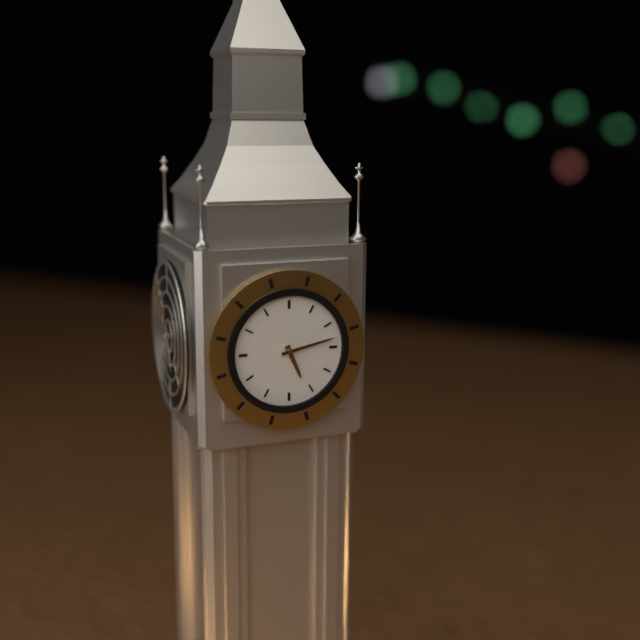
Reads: 5.13
